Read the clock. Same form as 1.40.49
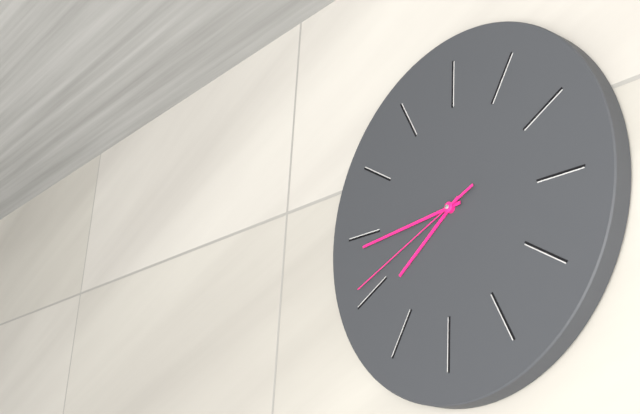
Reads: 7.44.41
